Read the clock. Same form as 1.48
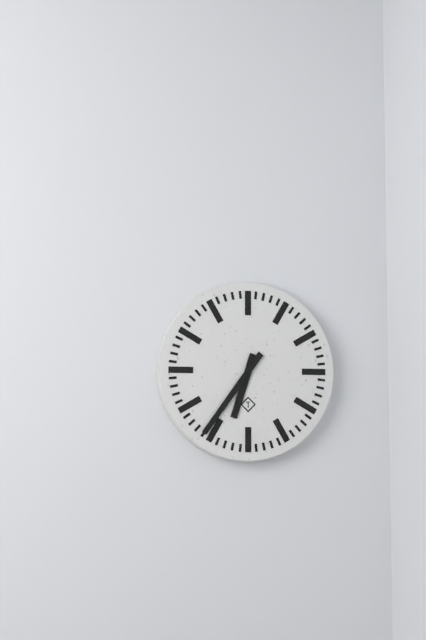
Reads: 6.36
